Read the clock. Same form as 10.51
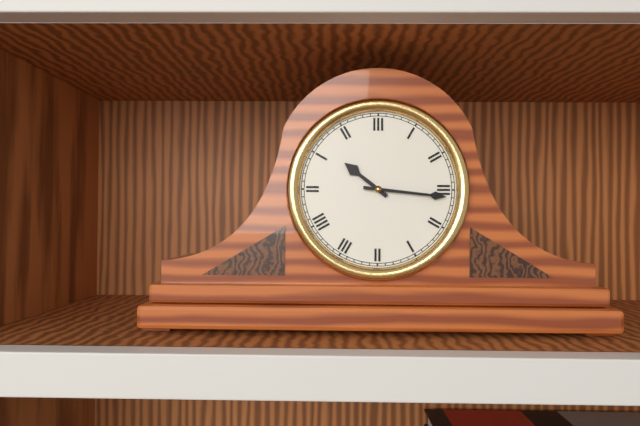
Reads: 10.16
